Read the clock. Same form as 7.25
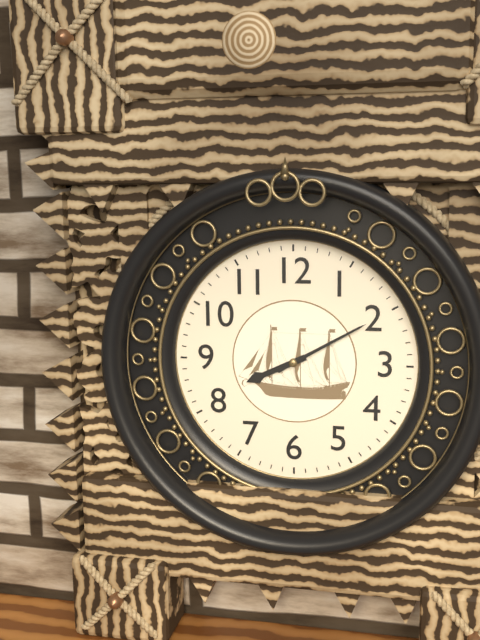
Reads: 8.10
